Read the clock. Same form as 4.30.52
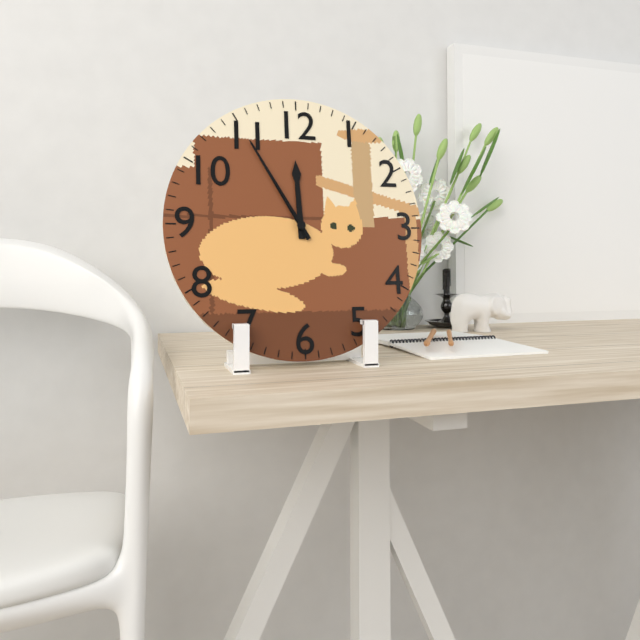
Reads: 11.55.55
